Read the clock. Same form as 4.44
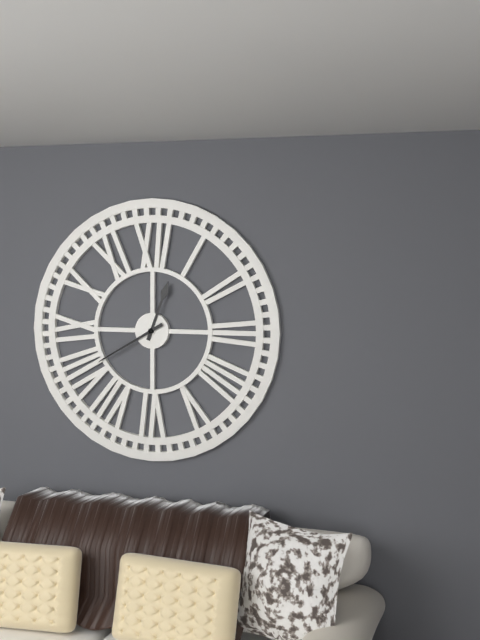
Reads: 12.40
